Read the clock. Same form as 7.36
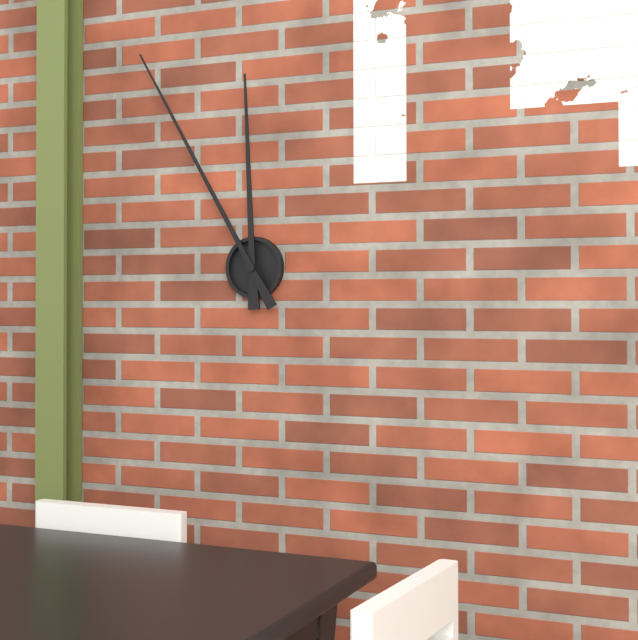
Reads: 11.55
